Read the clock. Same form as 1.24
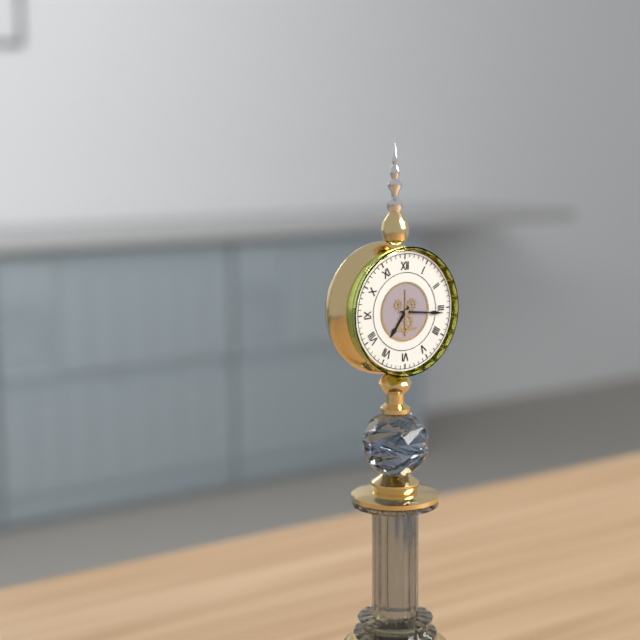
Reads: 7.16
